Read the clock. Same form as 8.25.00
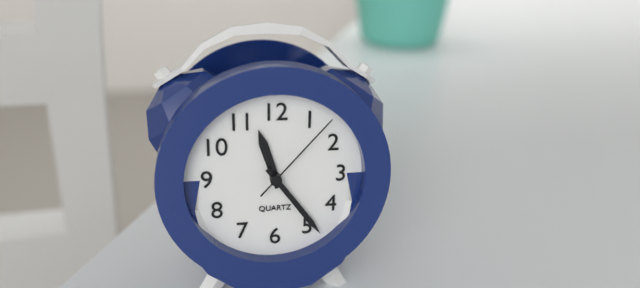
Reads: 11.24.07
